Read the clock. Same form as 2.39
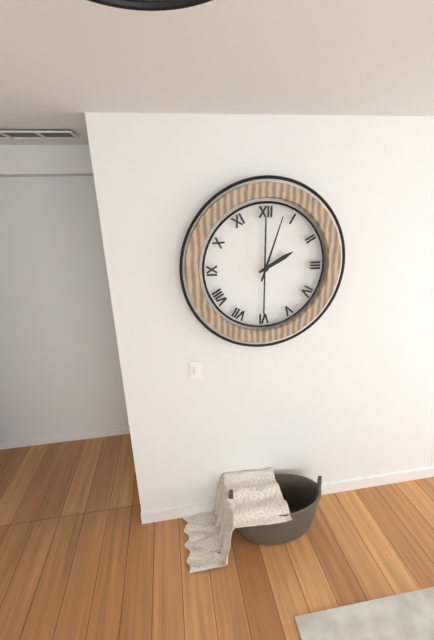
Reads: 2.03
